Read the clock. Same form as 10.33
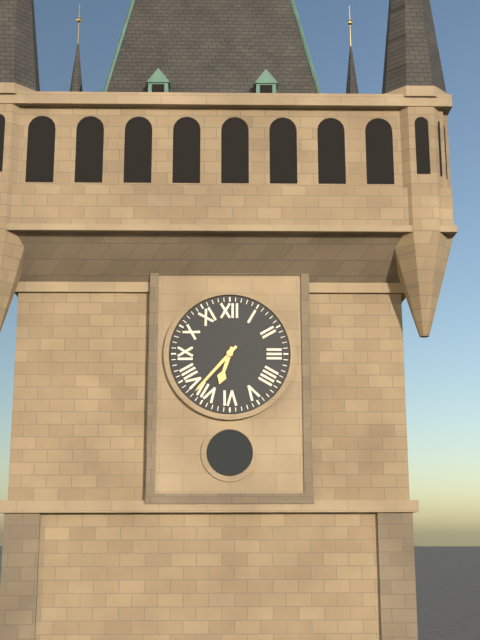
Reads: 6.37
